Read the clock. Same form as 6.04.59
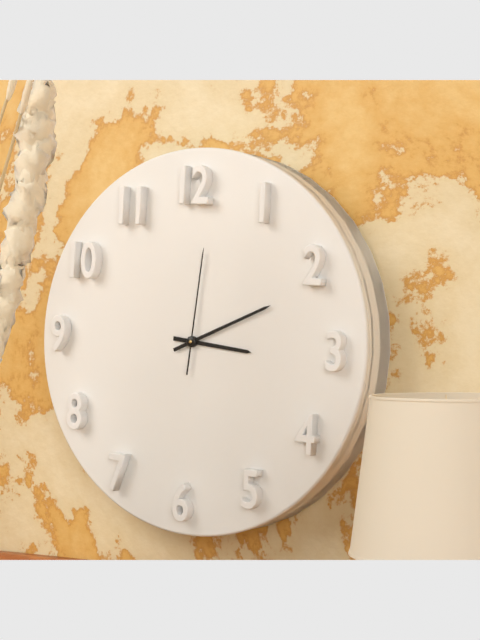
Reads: 3.11.01
